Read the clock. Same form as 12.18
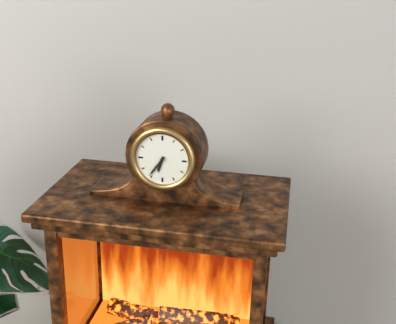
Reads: 6.36
